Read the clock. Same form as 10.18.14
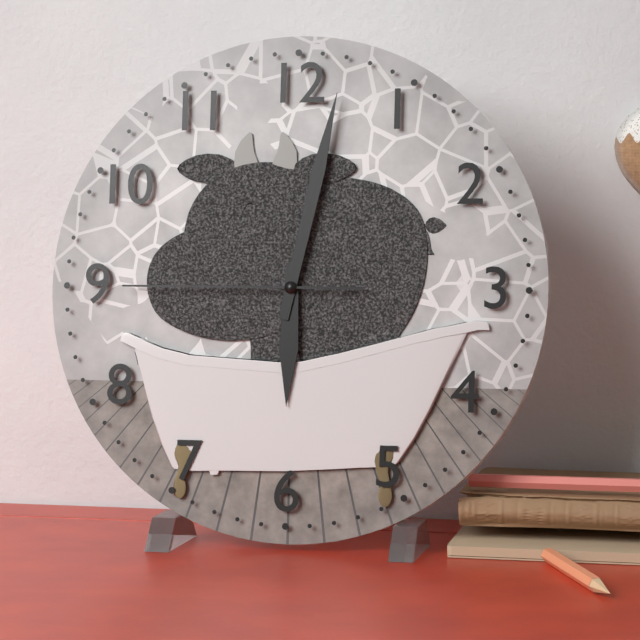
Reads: 6.02.45
